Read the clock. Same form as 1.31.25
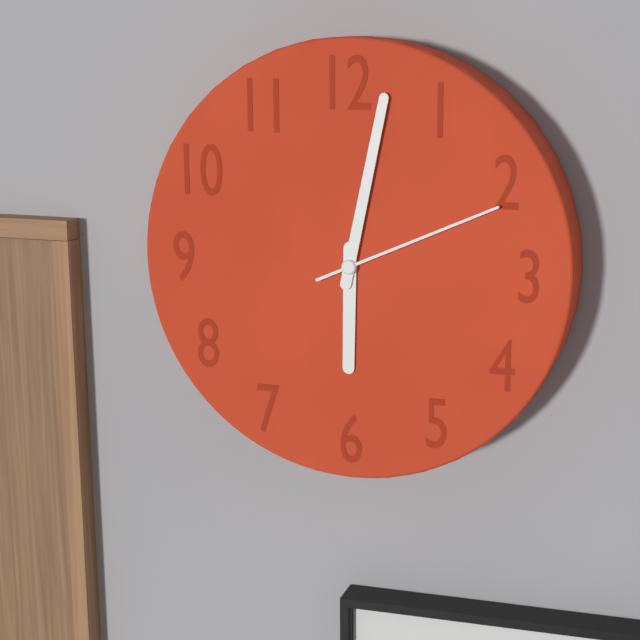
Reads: 6.02.11
